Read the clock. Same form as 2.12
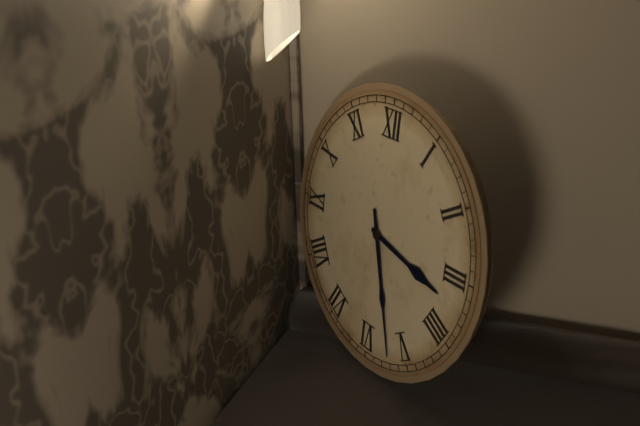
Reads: 3.27
